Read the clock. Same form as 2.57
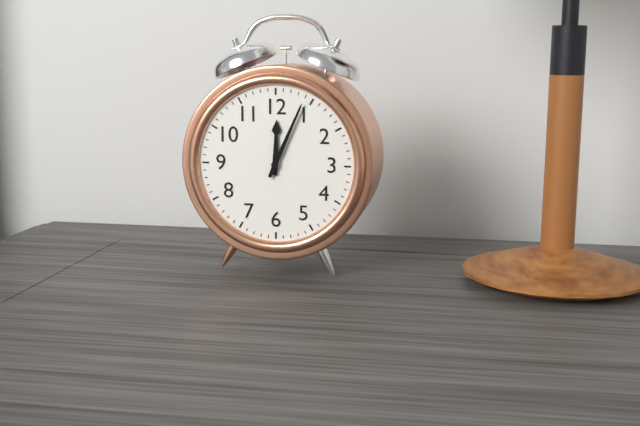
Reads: 12.04
